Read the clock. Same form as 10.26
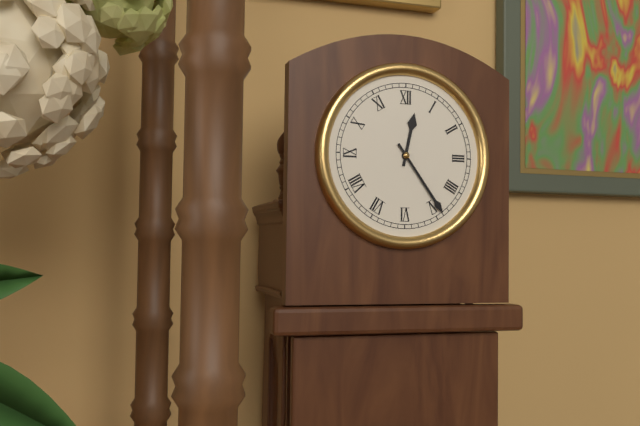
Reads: 12.24
